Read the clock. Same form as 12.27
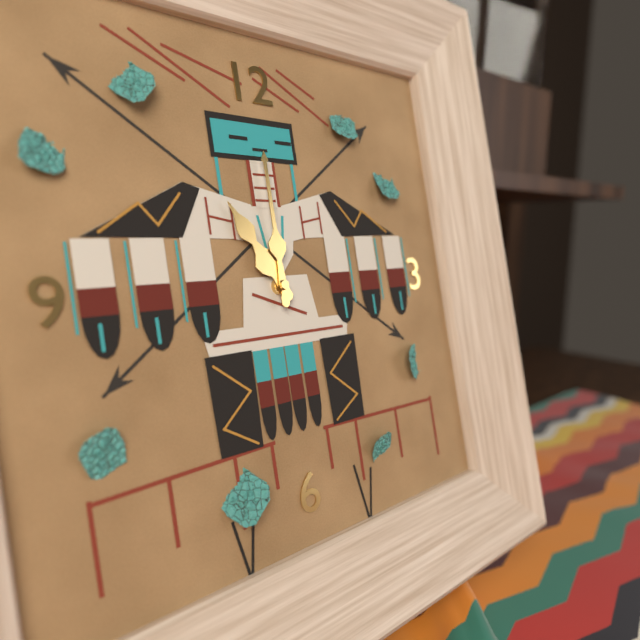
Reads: 11.00
